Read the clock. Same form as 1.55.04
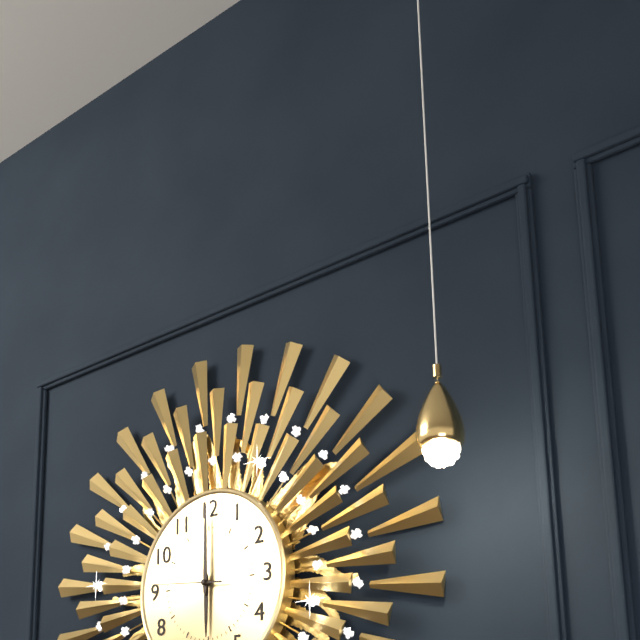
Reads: 6.00.46
